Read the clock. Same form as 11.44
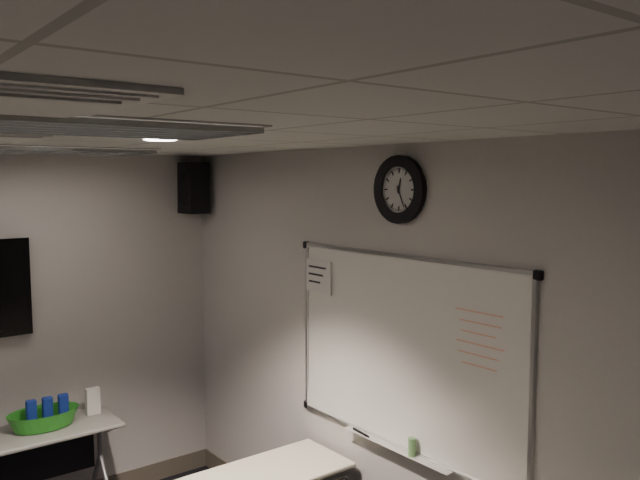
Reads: 12.26
